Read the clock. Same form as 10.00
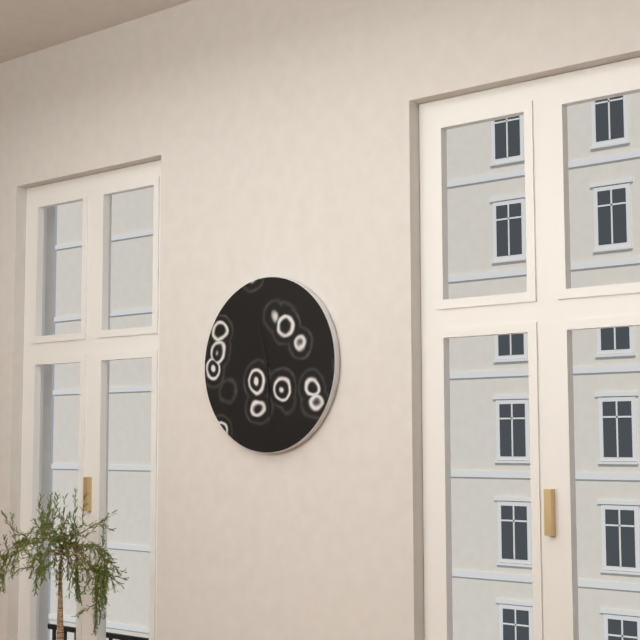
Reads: 11.29
